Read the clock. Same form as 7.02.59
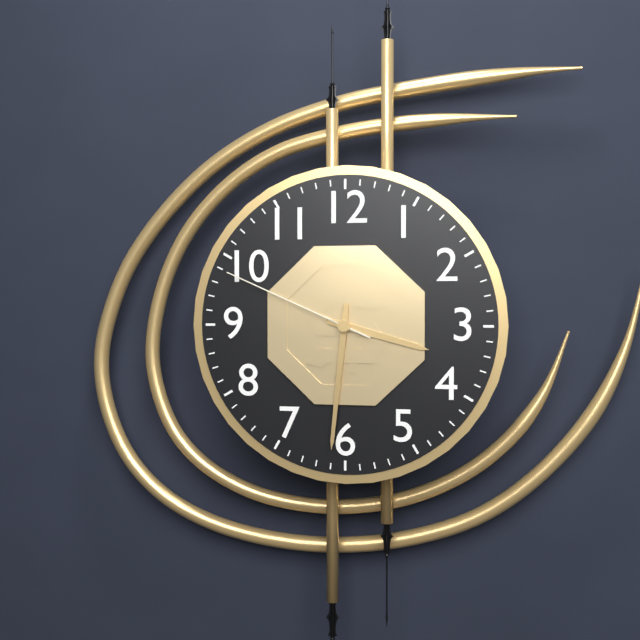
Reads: 3.31.49
